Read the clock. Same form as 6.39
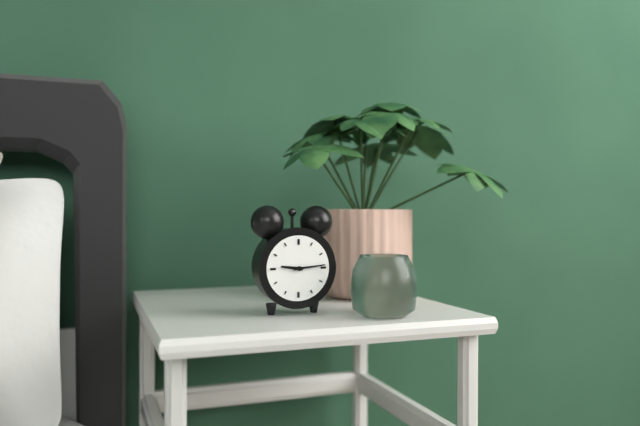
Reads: 9.14
